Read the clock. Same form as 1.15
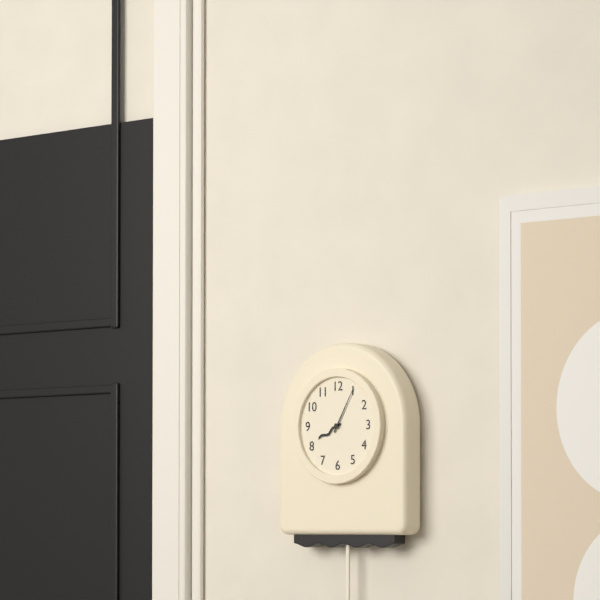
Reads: 8.05
